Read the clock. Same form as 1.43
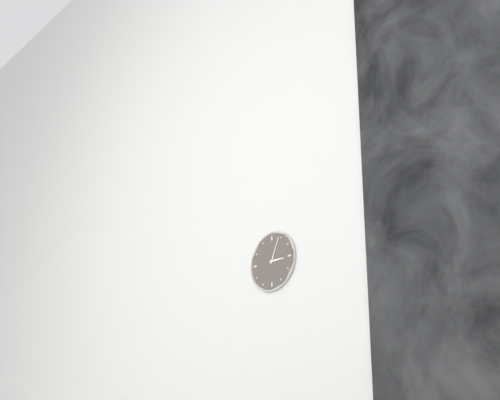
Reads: 3.04
